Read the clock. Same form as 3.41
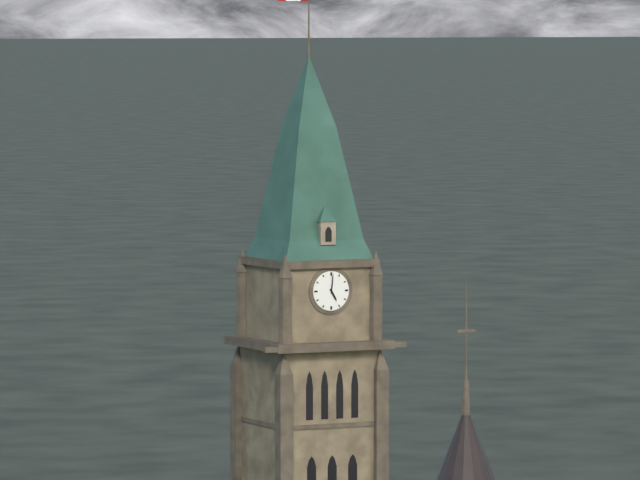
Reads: 5.01
